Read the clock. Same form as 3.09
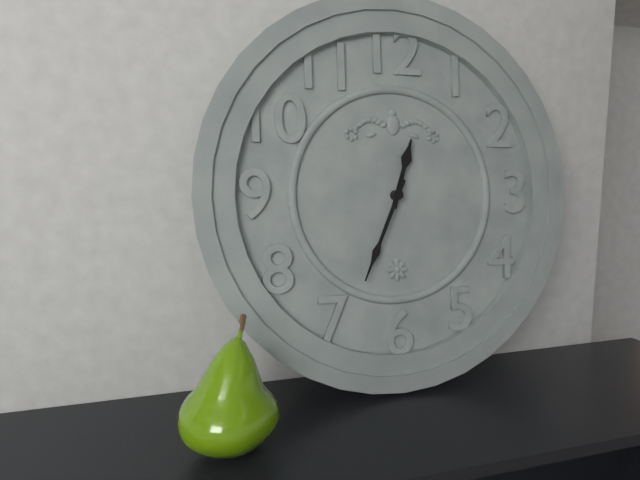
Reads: 12.34
